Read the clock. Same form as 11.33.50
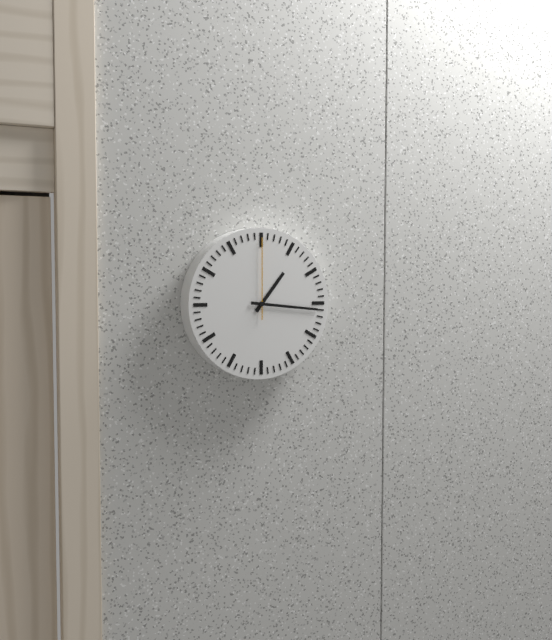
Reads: 1.16.00
